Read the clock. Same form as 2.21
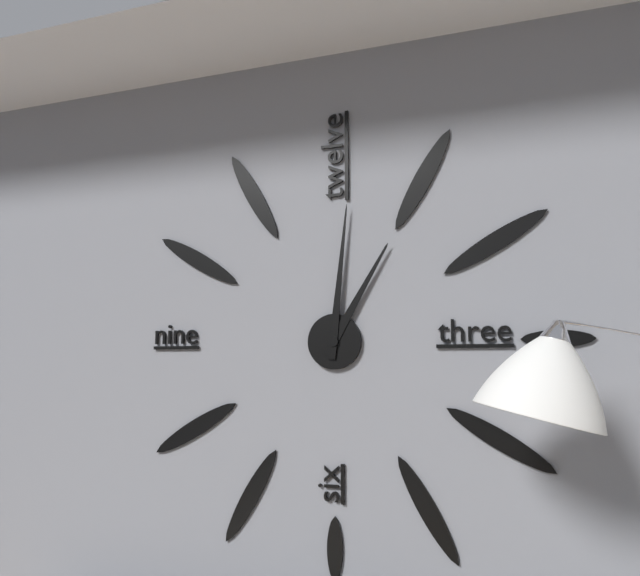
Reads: 1.01
